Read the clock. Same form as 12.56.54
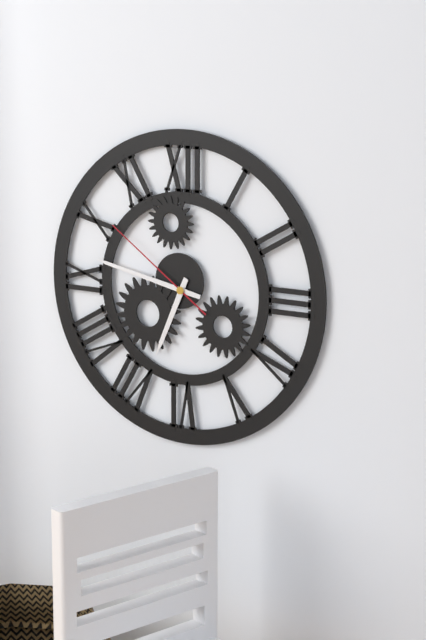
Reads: 6.47.51
